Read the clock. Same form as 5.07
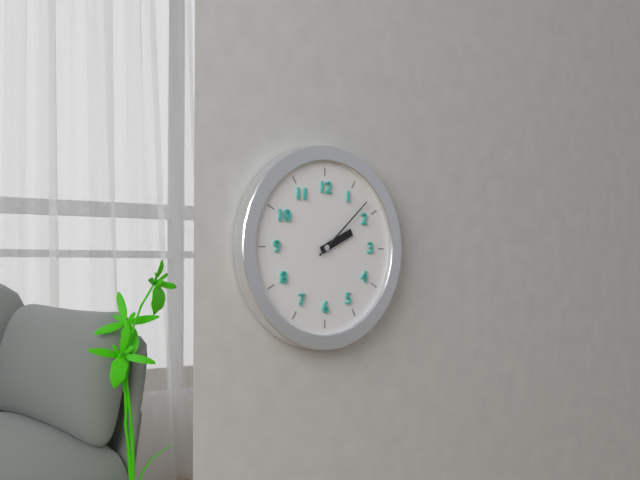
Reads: 2.08
